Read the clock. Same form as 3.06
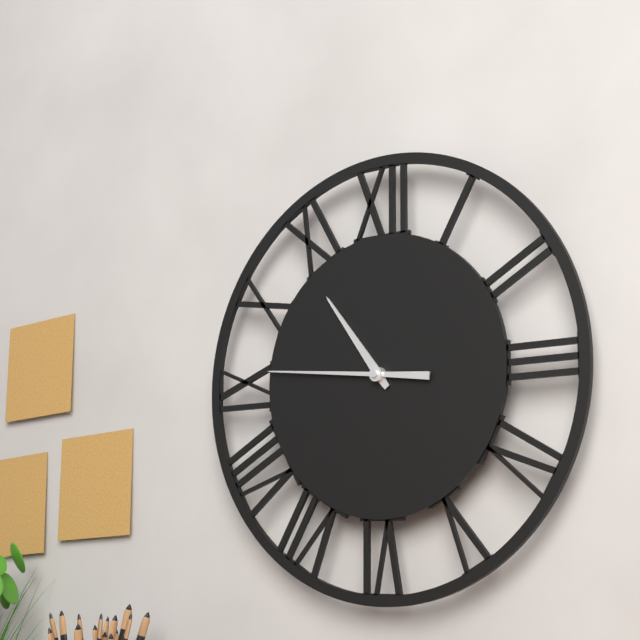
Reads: 10.46
